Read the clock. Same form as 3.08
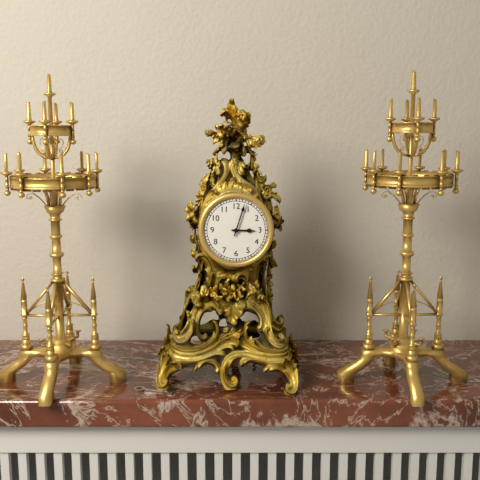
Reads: 3.03
